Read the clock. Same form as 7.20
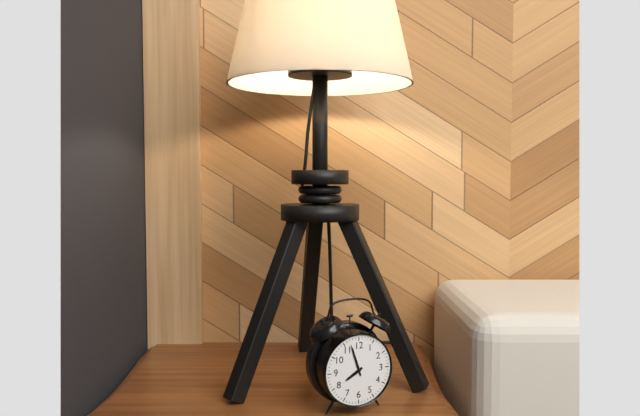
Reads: 7.57
